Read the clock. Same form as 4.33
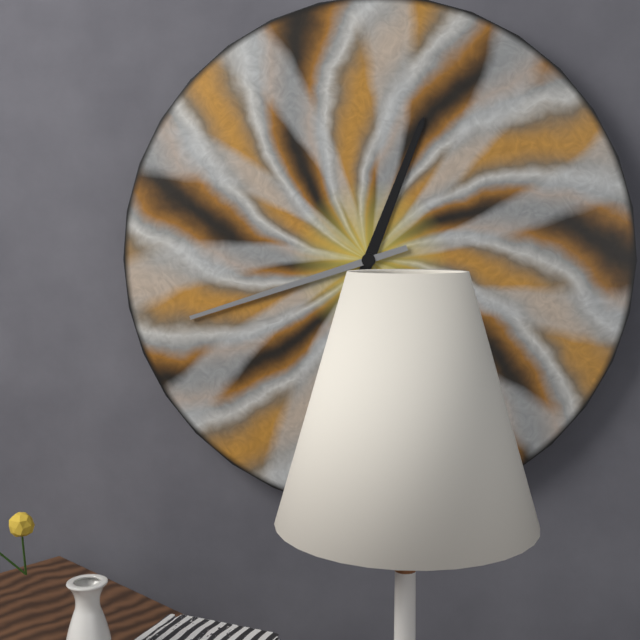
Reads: 12.42
